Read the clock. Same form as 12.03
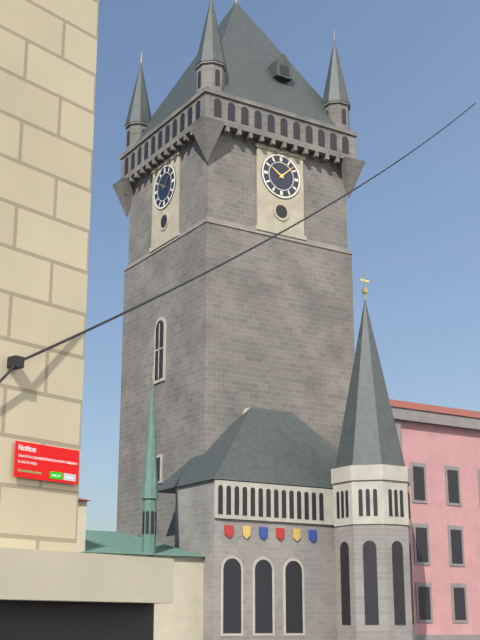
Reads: 10.08
